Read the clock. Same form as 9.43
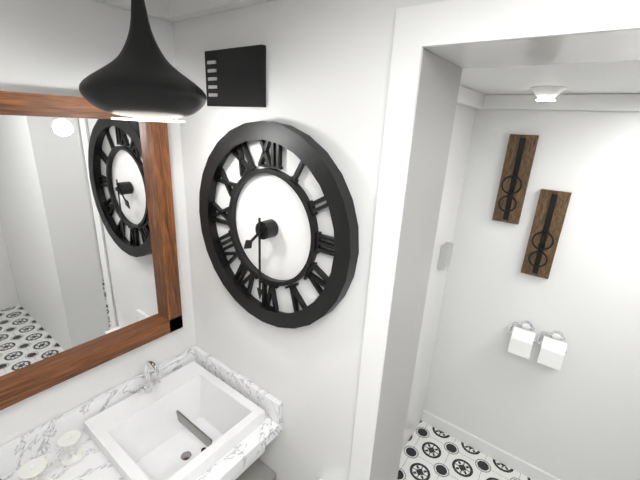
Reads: 7.30
